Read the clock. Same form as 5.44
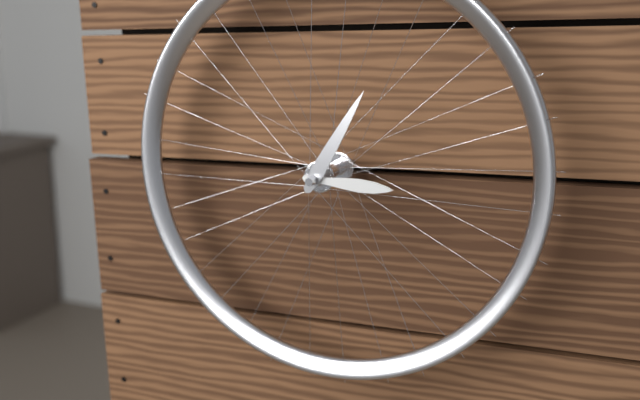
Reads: 3.05
